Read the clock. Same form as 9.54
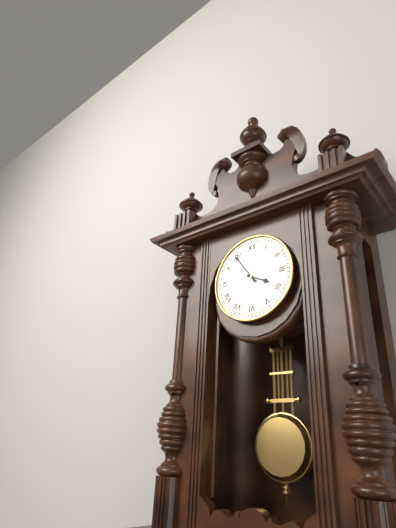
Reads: 3.54
